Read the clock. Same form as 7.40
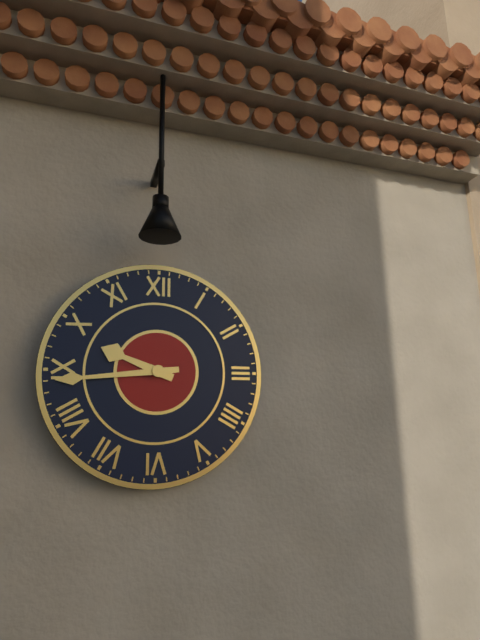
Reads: 9.44
